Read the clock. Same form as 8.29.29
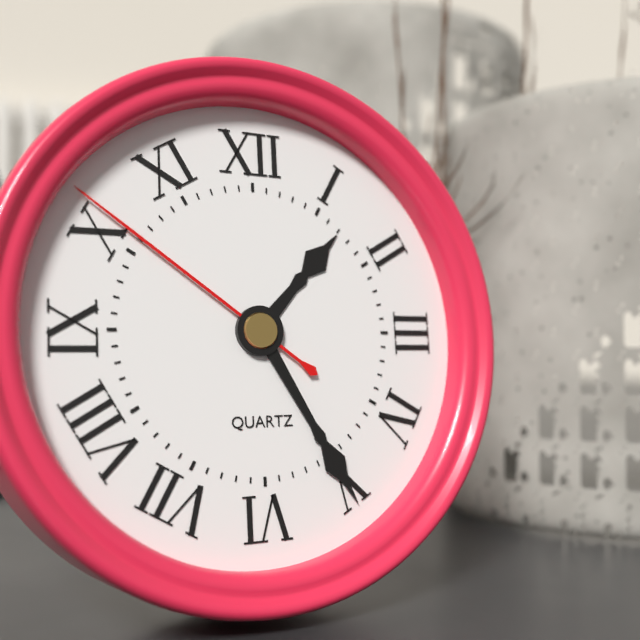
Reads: 1.25.51
